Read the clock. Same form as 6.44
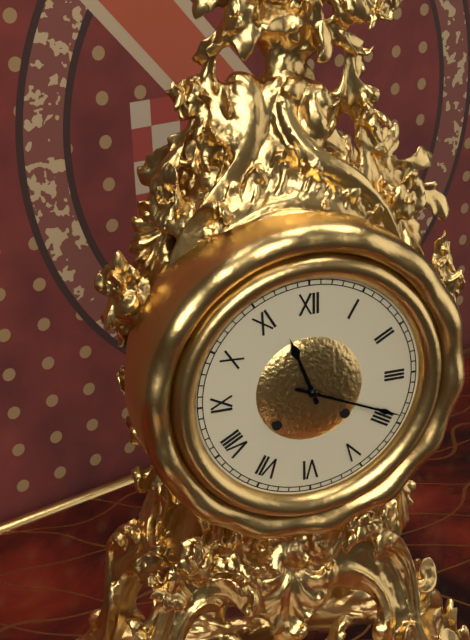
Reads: 11.19
